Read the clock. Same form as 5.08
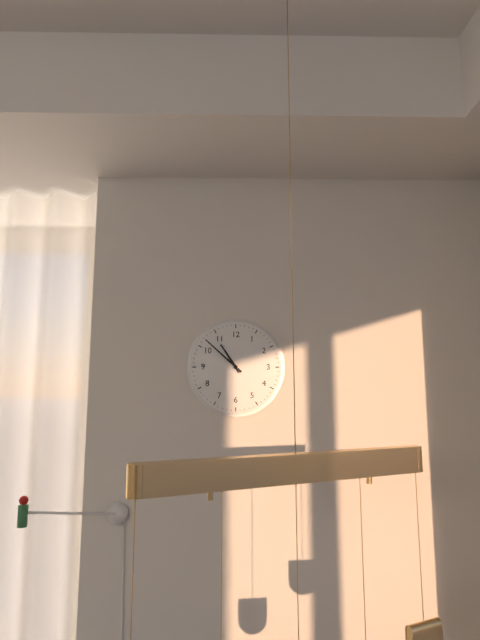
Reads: 10.52
